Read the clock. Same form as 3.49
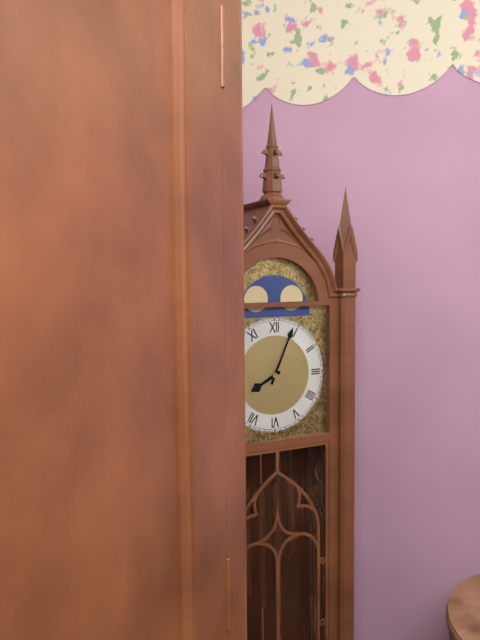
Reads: 8.04
